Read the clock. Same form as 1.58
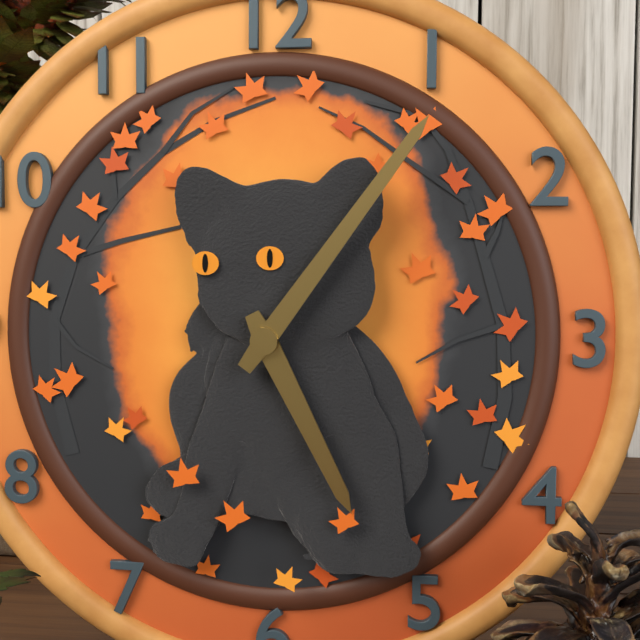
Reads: 5.06
